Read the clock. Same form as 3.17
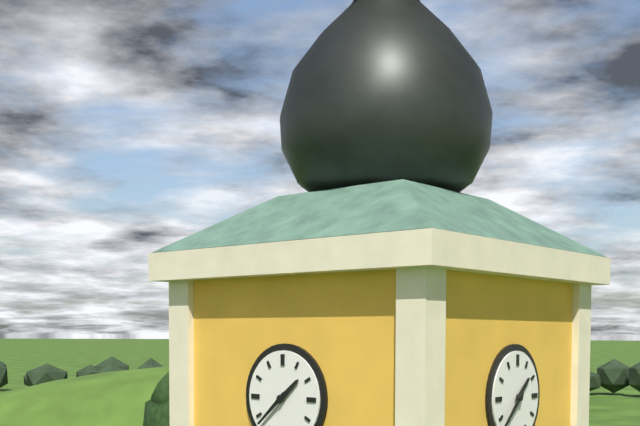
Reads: 1.38
